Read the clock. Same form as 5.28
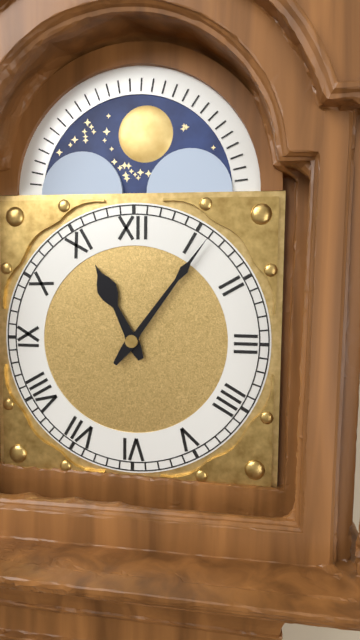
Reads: 11.06
